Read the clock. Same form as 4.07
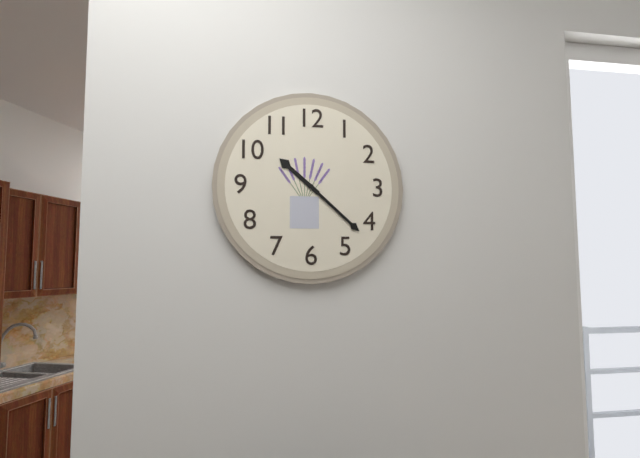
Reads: 10.22
